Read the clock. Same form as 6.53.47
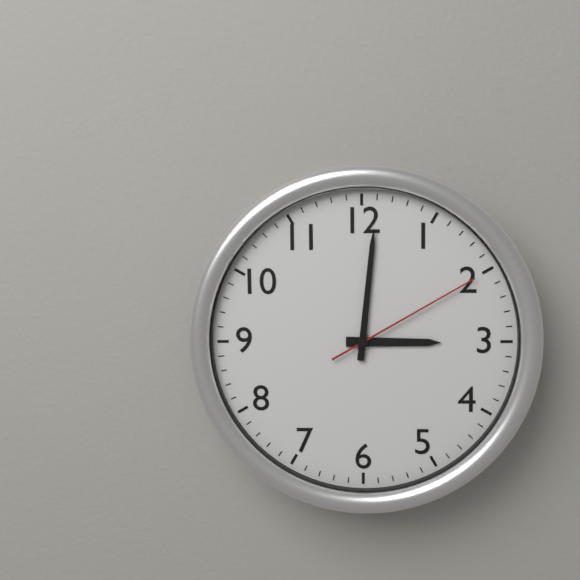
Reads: 3.01.10
